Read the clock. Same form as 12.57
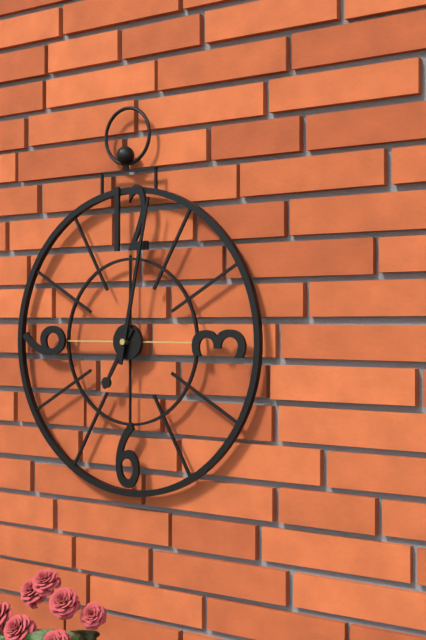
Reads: 7.02
